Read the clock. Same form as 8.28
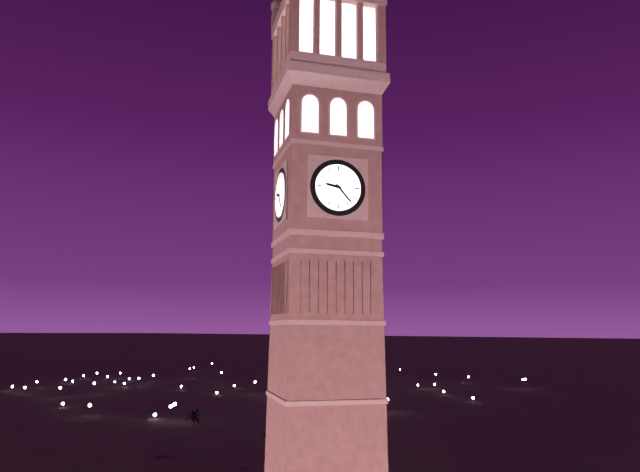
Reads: 9.23
